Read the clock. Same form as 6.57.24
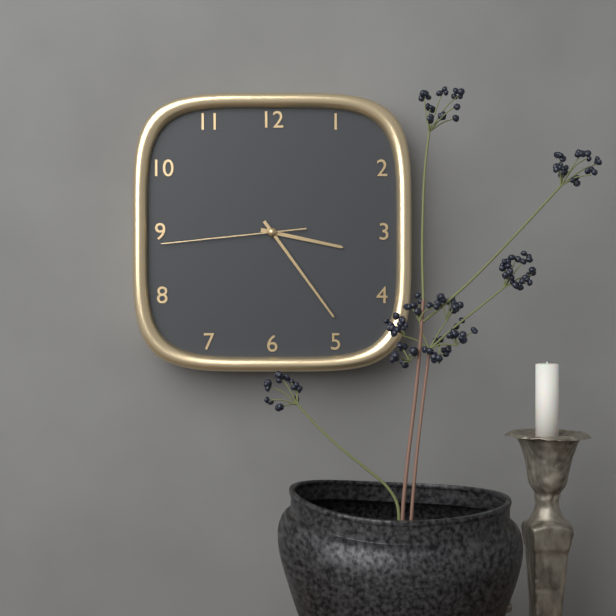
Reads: 3.24.44
